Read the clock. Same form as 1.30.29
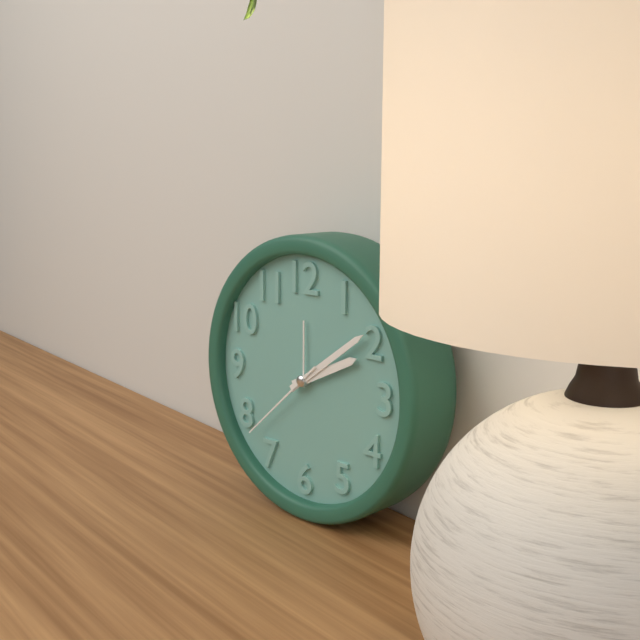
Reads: 2.09.38
